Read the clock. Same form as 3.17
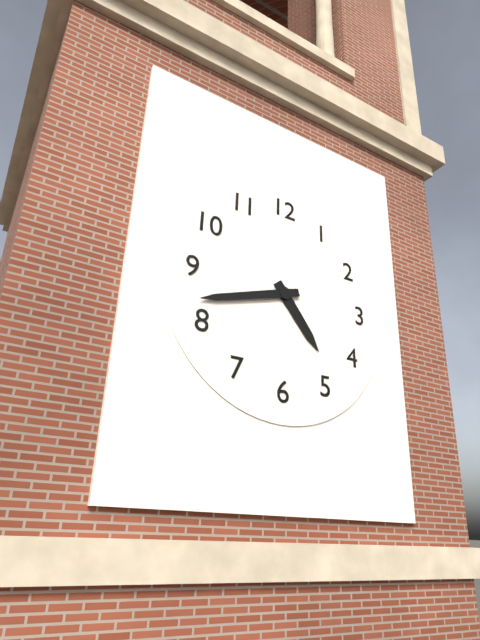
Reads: 4.42
